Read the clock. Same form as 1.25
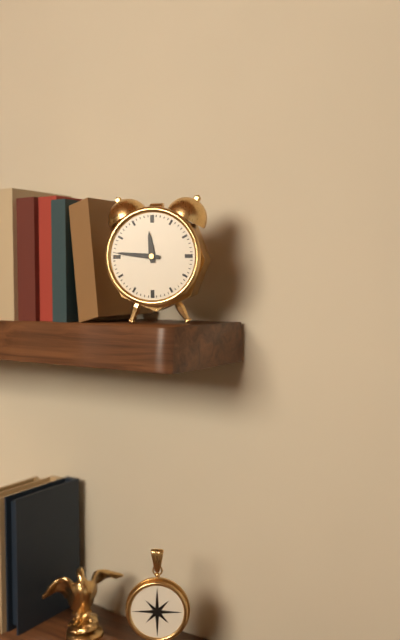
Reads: 11.46
